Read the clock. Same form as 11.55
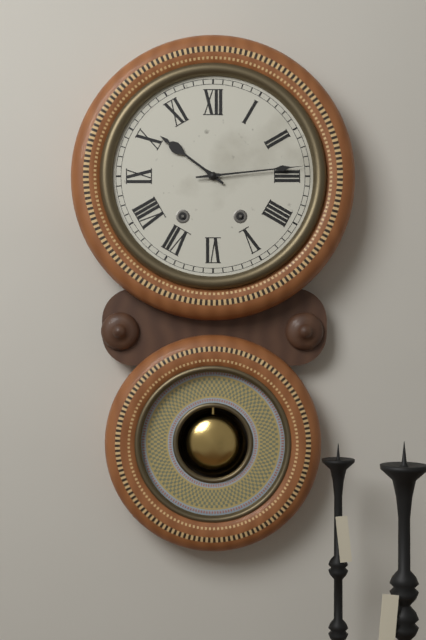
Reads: 10.14
